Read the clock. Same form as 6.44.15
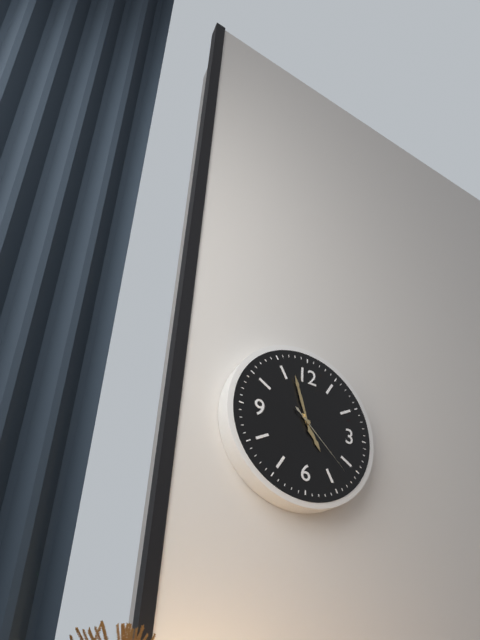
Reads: 4.57.22
